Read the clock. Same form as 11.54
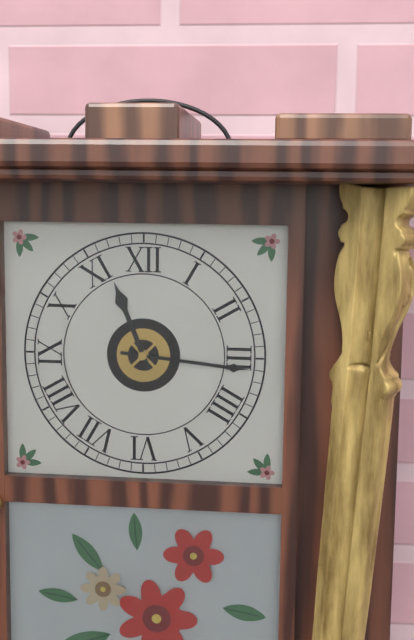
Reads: 11.16
